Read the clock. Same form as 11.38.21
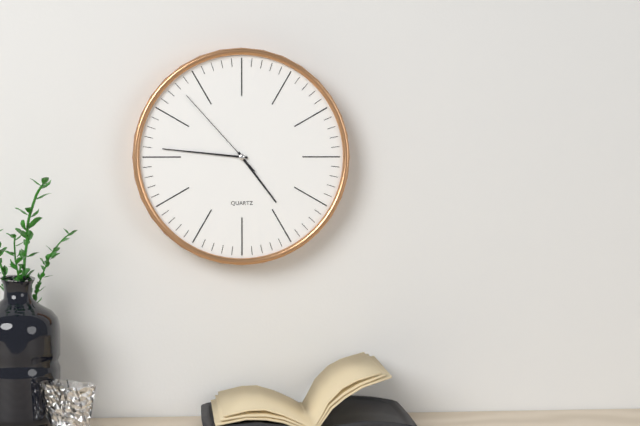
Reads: 4.46.53
